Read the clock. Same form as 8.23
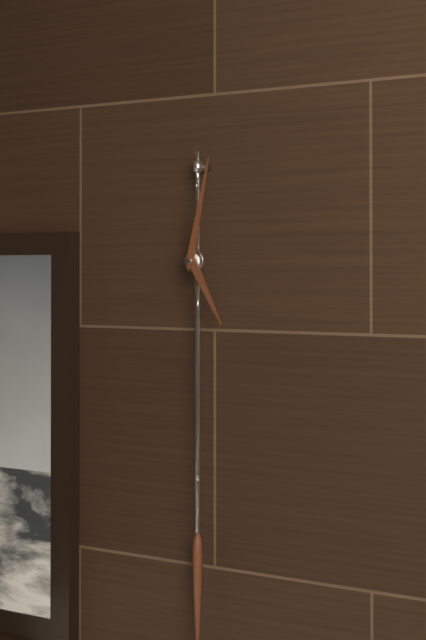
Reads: 5.02
